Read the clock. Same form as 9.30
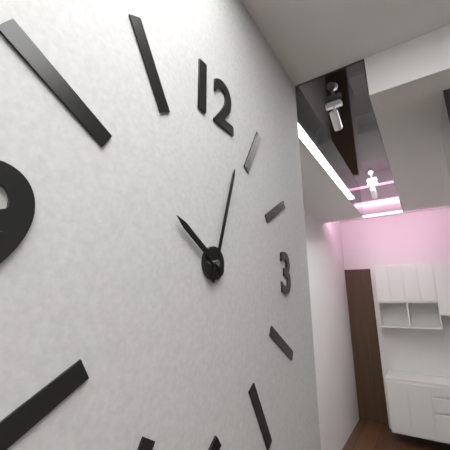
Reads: 10.03
